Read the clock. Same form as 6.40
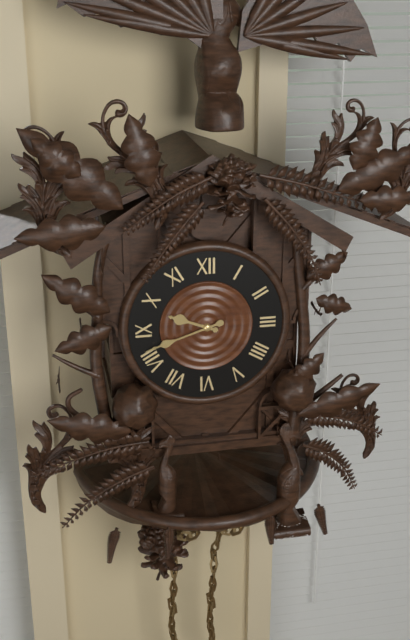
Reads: 9.42
